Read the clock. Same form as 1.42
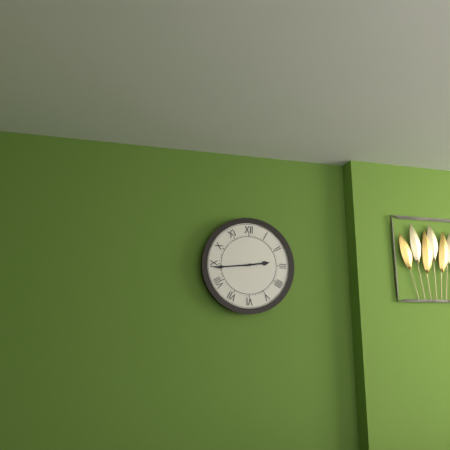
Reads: 2.44
